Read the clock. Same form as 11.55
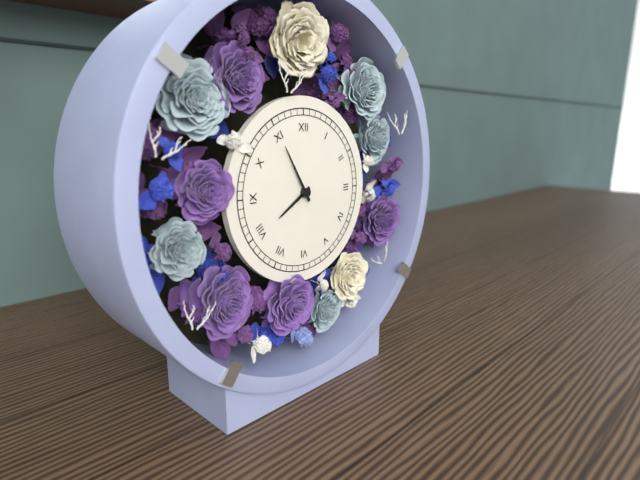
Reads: 7.55
